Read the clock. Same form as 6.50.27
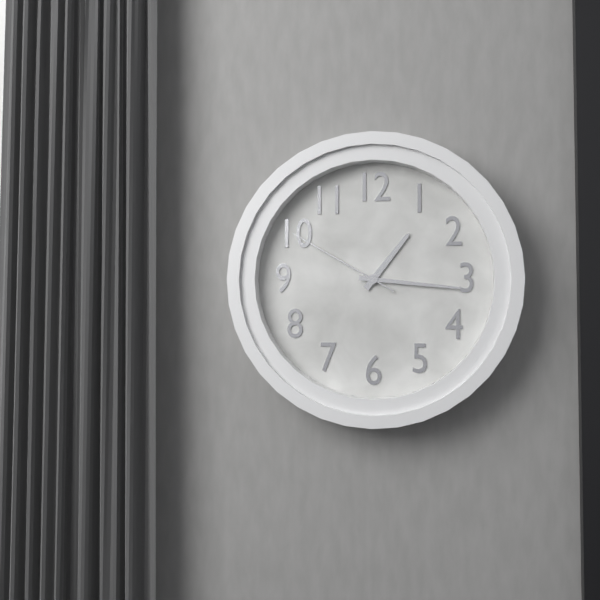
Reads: 1.16.50
